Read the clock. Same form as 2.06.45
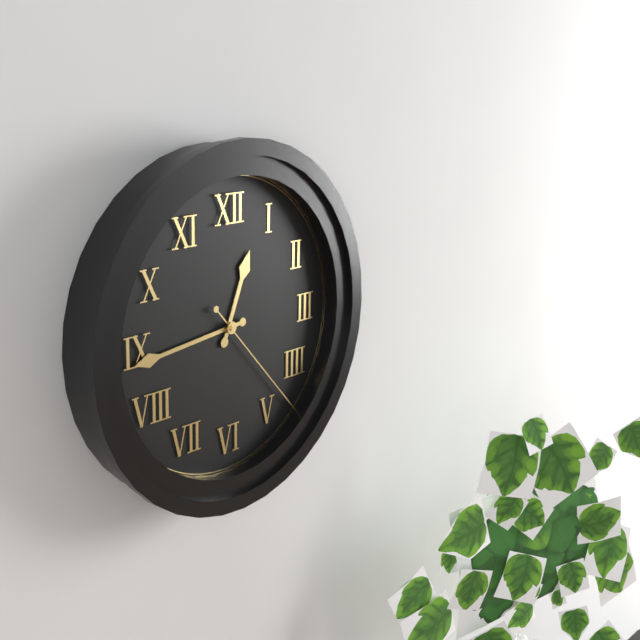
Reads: 12.44.23
